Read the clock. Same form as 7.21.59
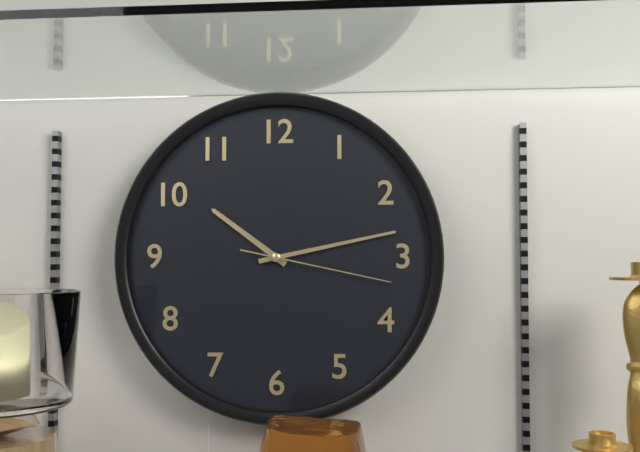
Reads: 10.13.17
